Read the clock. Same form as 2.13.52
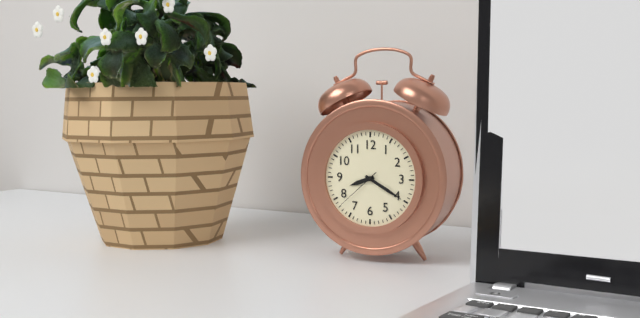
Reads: 8.20.38
